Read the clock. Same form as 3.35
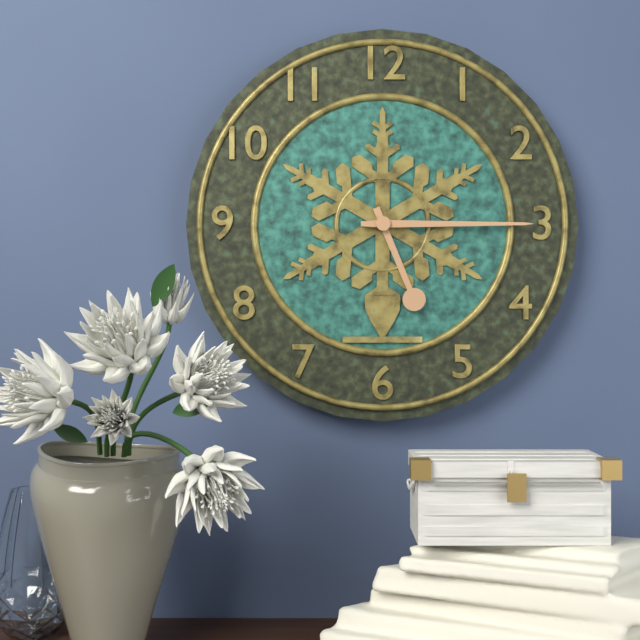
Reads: 5.15
